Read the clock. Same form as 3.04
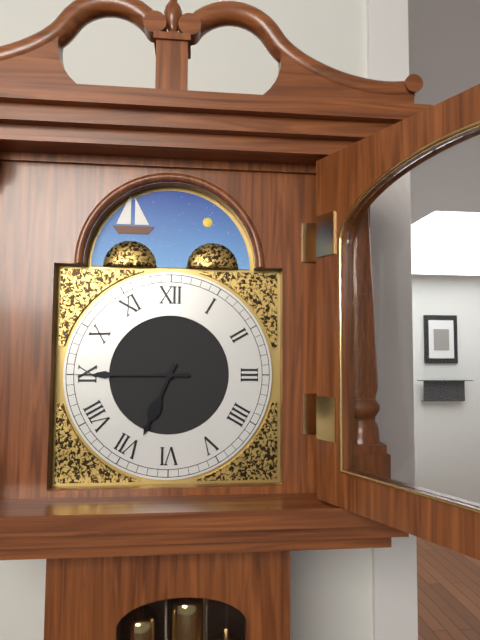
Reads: 6.45
